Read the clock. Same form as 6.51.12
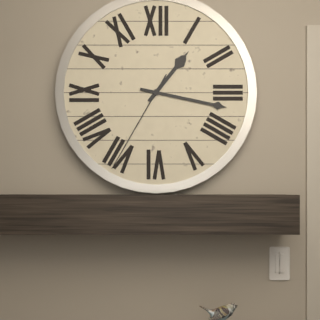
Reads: 1.17.35
